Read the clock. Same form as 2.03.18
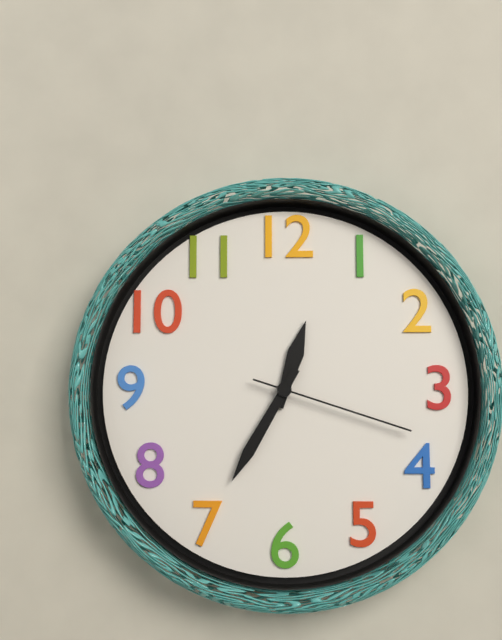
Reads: 12.35.18
